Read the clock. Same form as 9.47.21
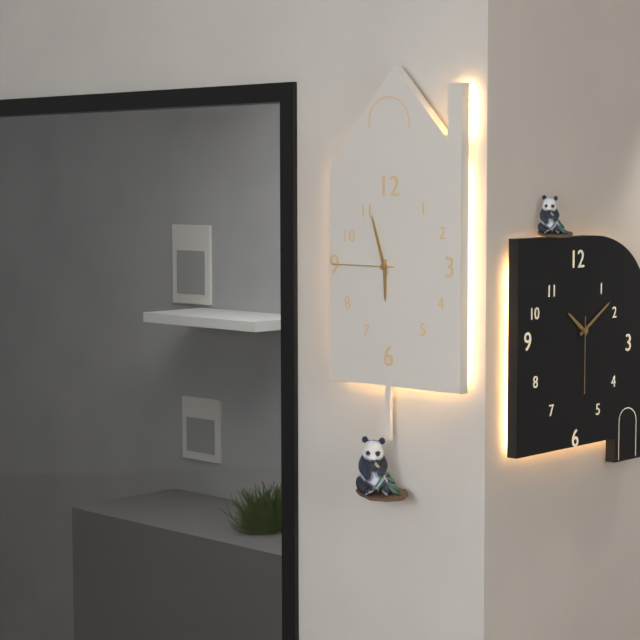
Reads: 5.57.45
